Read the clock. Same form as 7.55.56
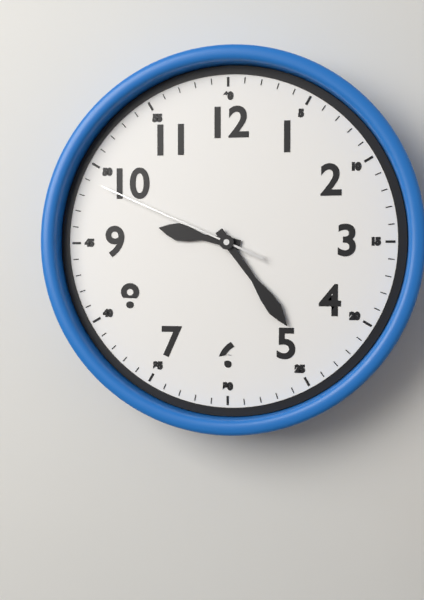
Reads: 9.24.49
